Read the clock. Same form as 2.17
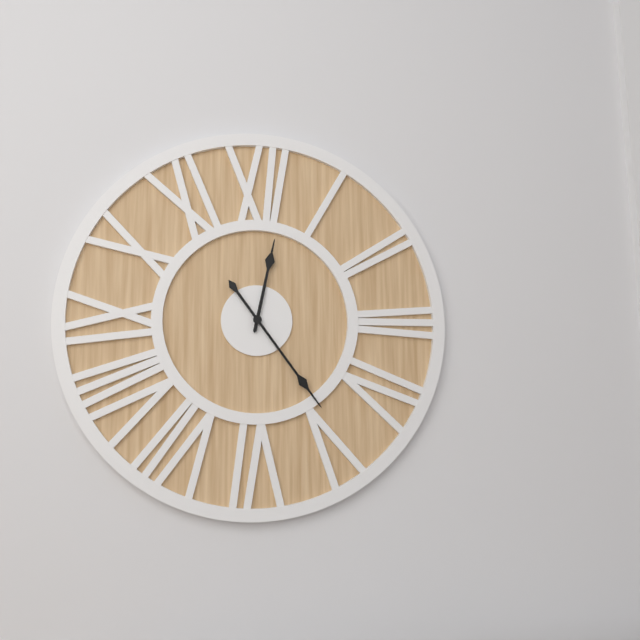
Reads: 12.24
